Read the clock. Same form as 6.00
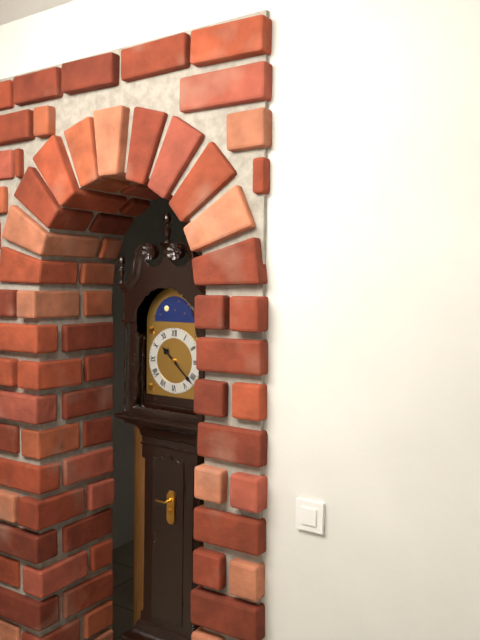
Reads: 10.22
